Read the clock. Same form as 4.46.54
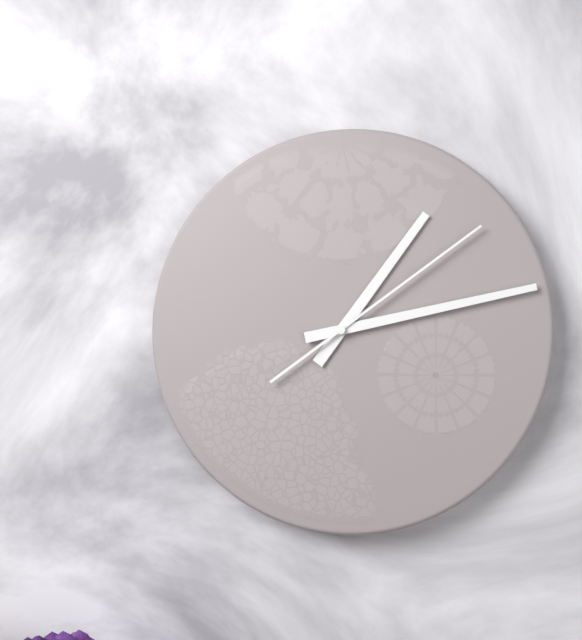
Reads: 1.13.09
